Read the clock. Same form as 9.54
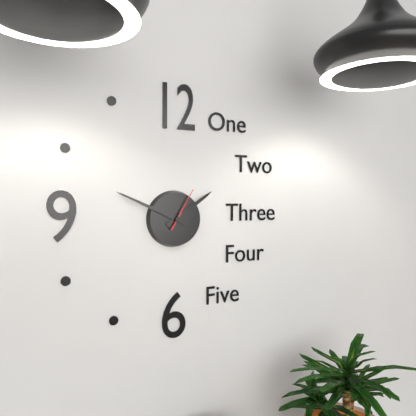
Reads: 1.49
